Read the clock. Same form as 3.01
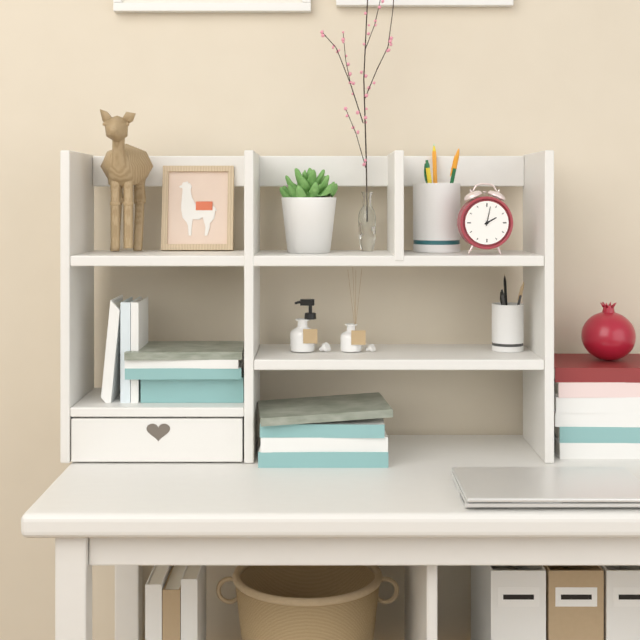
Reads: 2.02
